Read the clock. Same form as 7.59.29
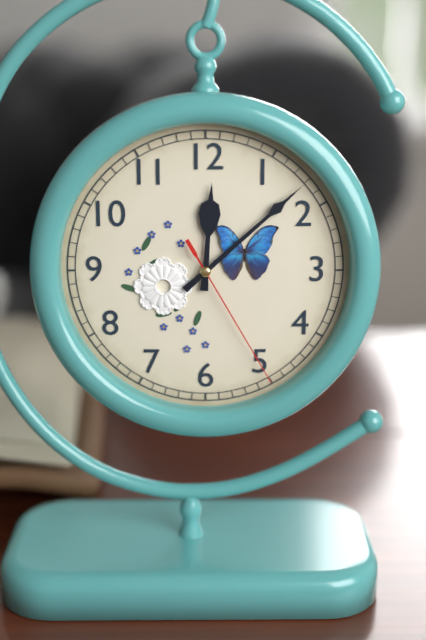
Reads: 12.08.25
